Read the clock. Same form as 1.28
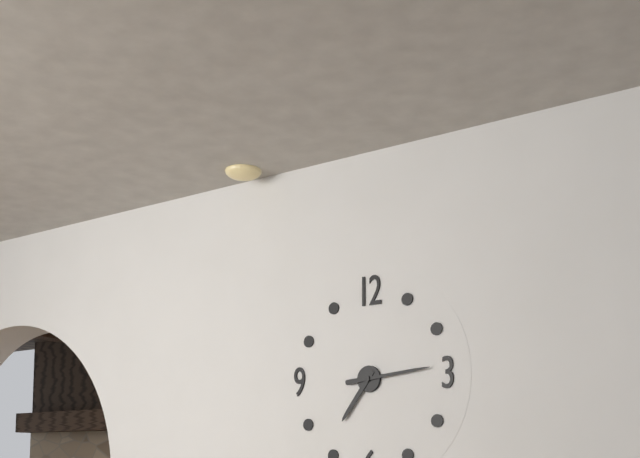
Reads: 7.14
